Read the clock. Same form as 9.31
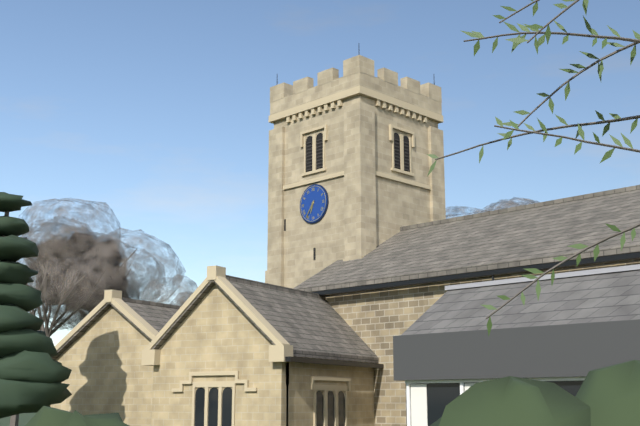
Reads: 6.36
